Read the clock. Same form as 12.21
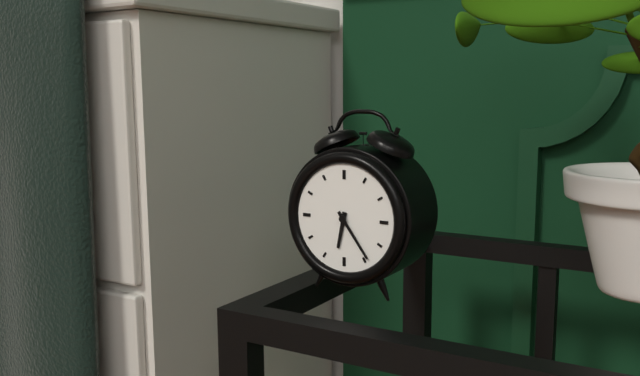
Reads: 6.24
